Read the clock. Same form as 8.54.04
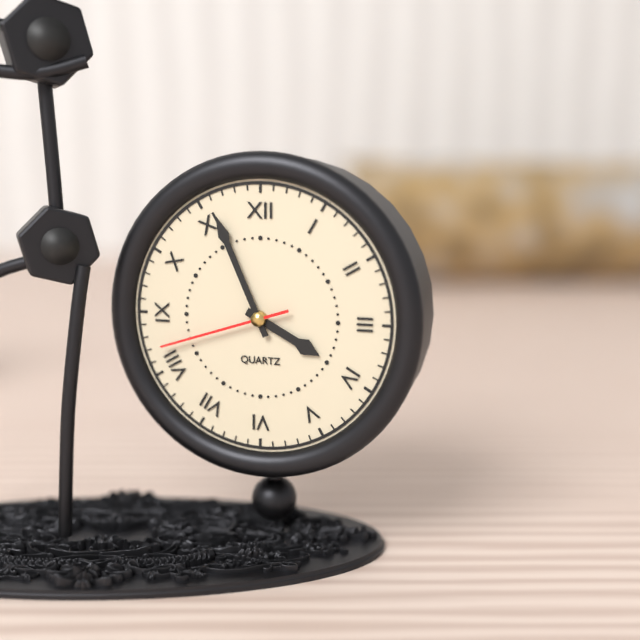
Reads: 3.56.42
